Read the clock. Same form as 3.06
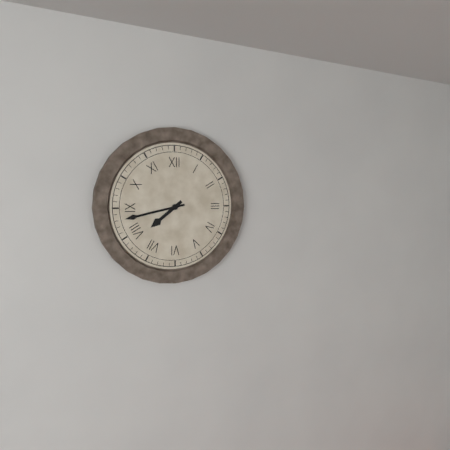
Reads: 7.43
